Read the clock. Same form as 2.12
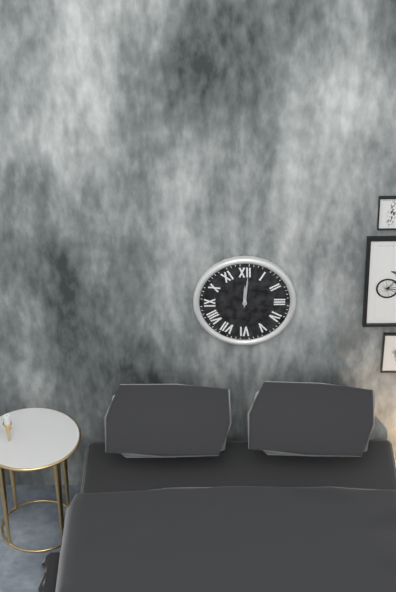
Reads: 12.01
